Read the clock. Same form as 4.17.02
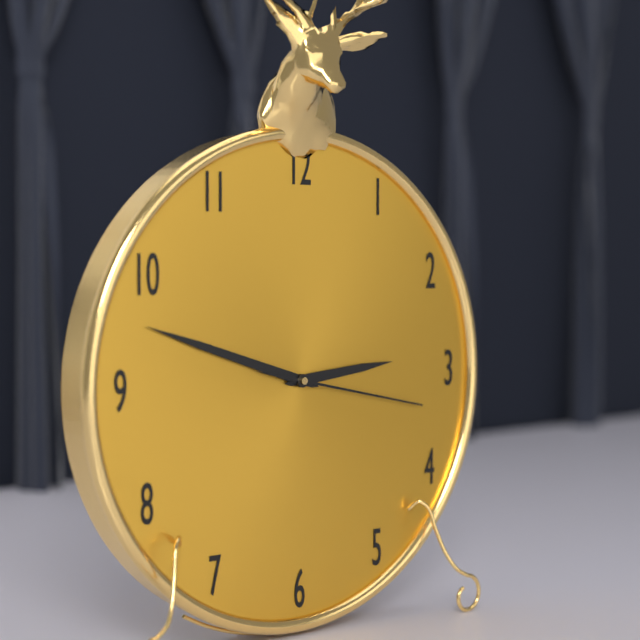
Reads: 2.48.17
